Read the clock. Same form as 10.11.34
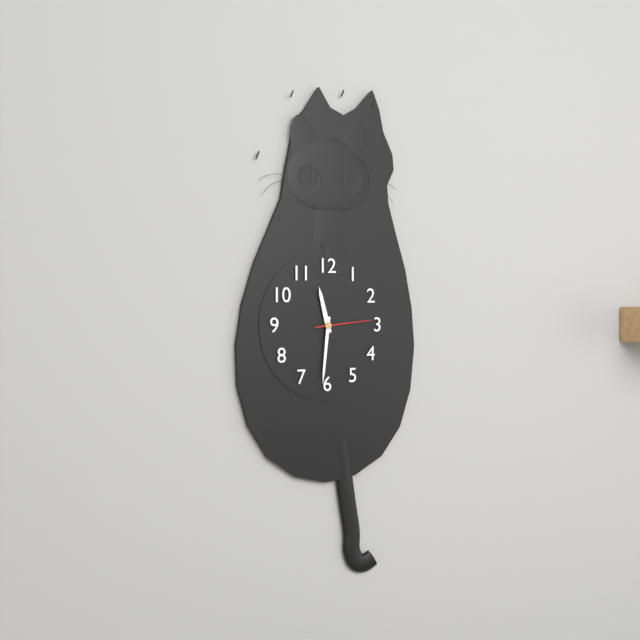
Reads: 11.31.14
